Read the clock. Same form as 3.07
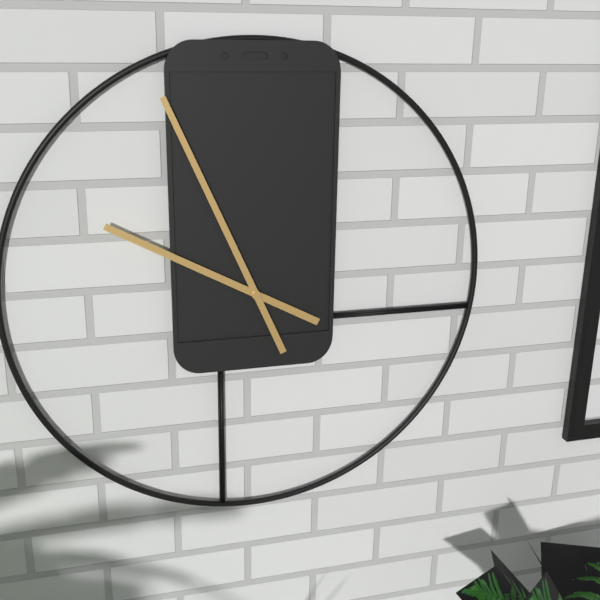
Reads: 9.56
